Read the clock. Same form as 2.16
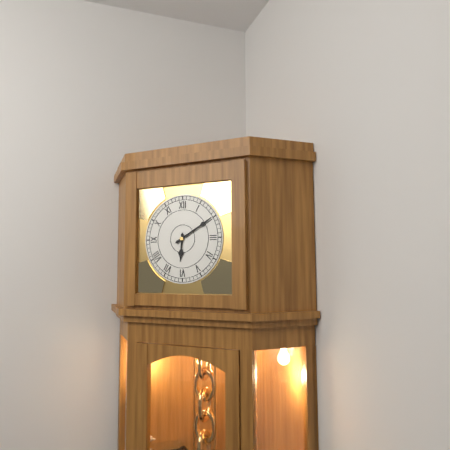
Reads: 6.10
